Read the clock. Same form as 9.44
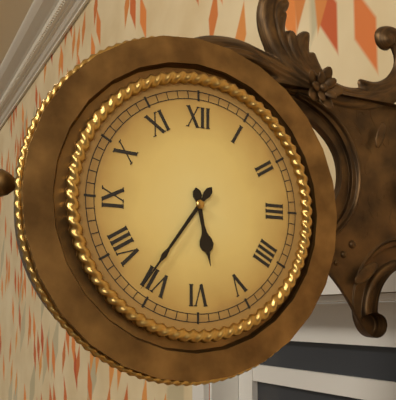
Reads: 5.36
